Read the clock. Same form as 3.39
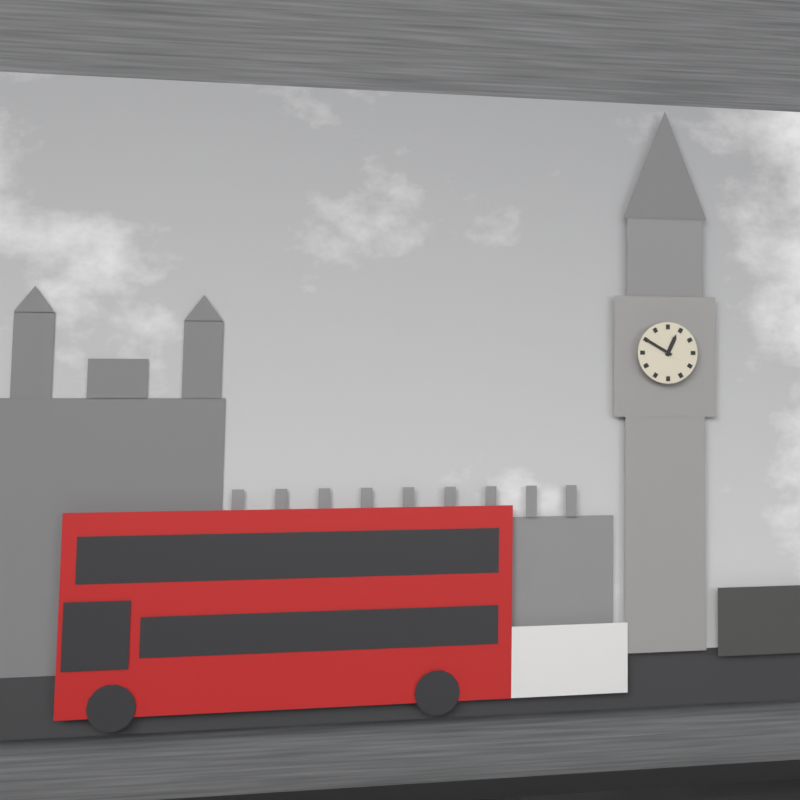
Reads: 12.50
